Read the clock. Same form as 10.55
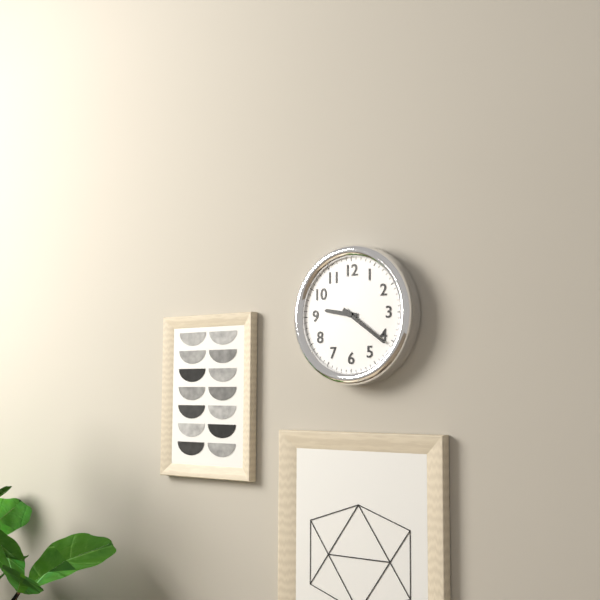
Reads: 9.21
